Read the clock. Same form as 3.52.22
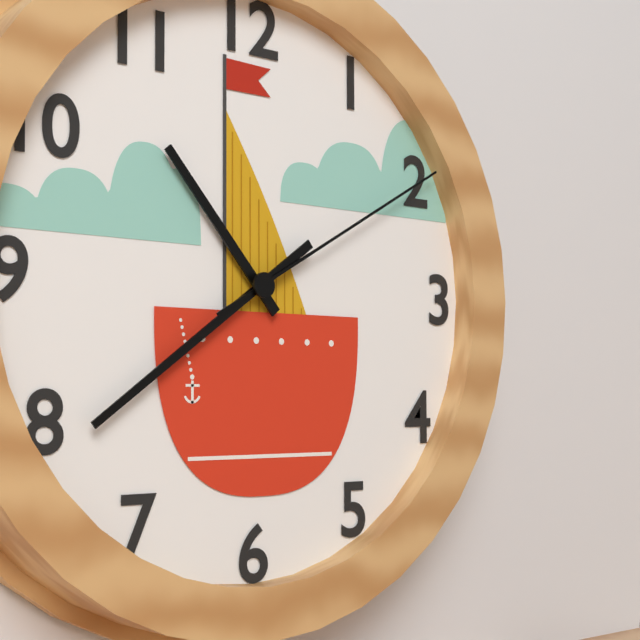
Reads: 10.39.10
